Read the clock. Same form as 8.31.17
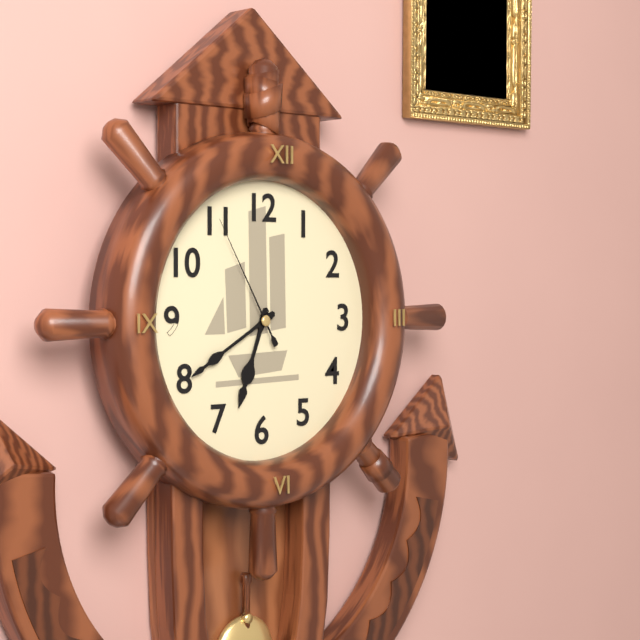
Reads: 6.40.55
